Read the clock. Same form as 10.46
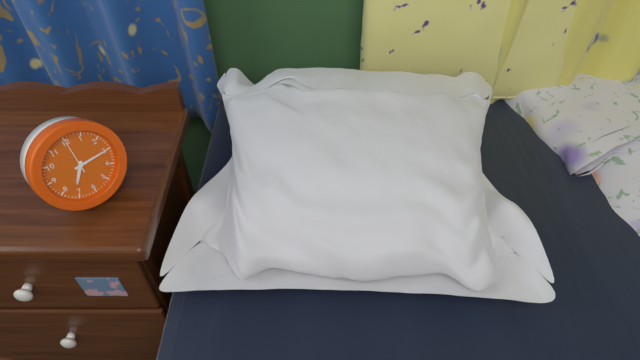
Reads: 7.15
